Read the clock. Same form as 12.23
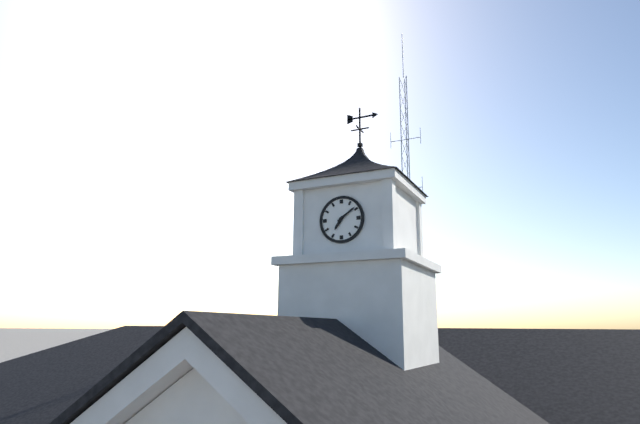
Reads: 7.09
